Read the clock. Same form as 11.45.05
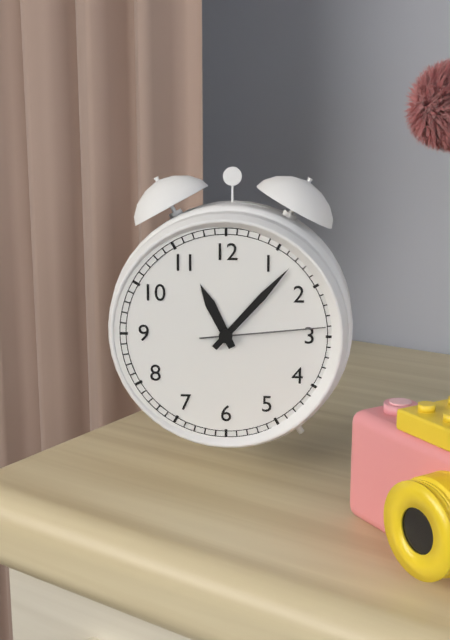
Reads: 11.07.14
